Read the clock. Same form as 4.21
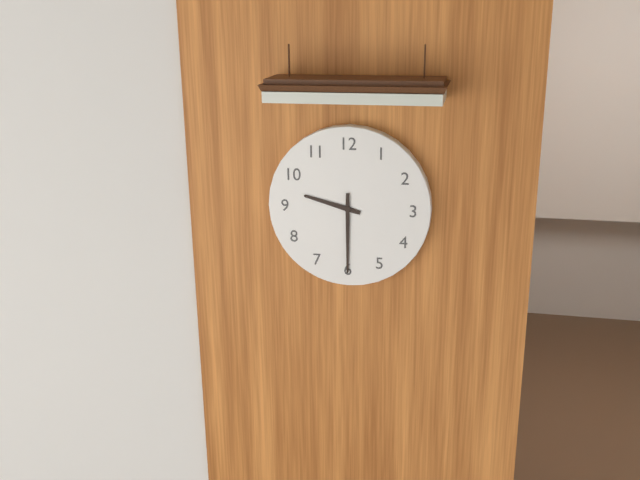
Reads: 9.30
